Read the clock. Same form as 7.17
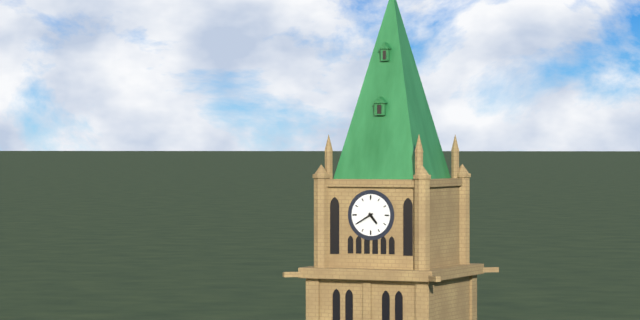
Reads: 4.40
